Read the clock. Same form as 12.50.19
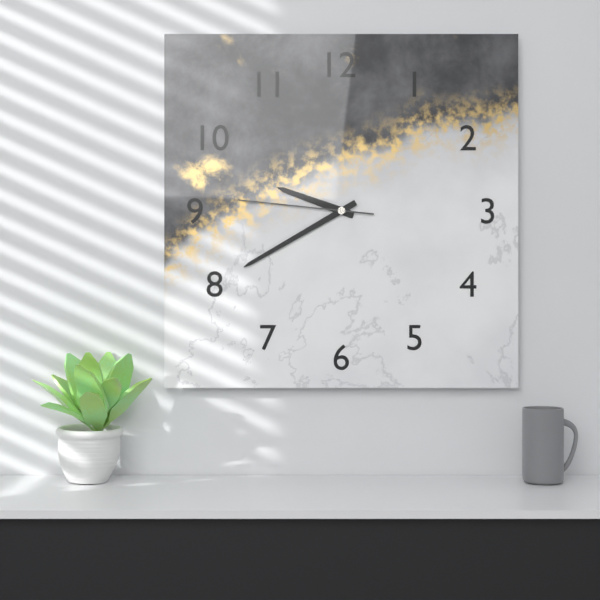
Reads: 9.40.46
